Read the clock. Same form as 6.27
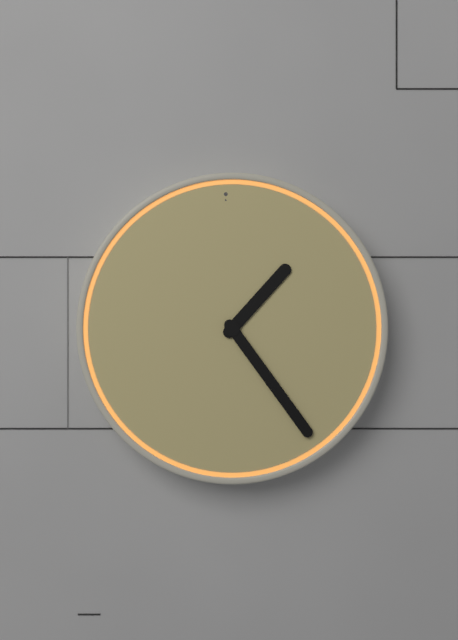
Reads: 1.24
